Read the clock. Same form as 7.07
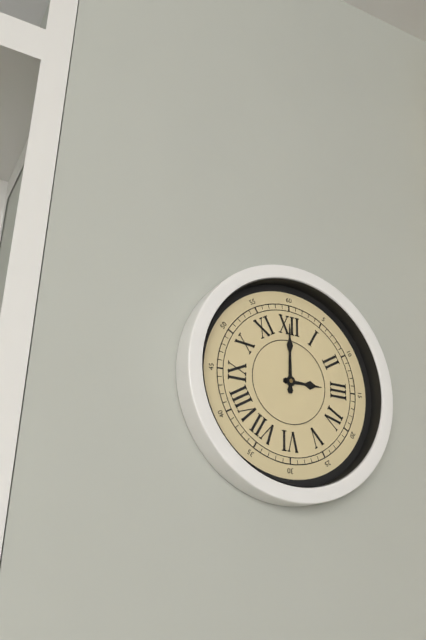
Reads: 3.00
